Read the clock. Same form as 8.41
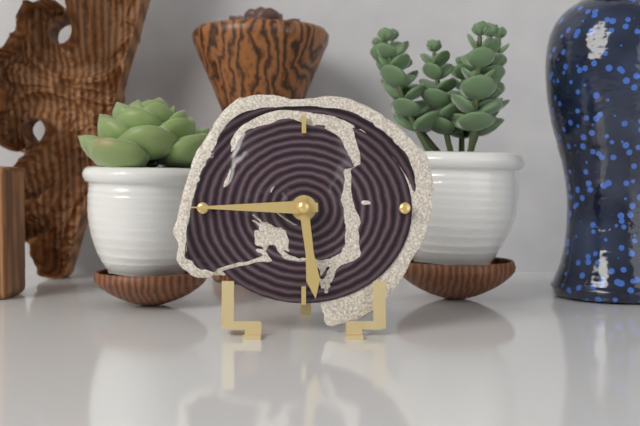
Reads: 5.45
